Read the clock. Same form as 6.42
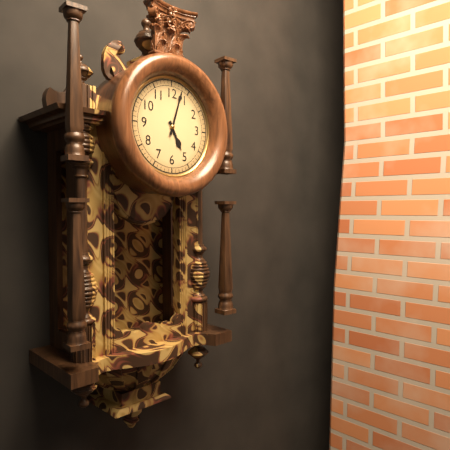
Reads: 5.03
